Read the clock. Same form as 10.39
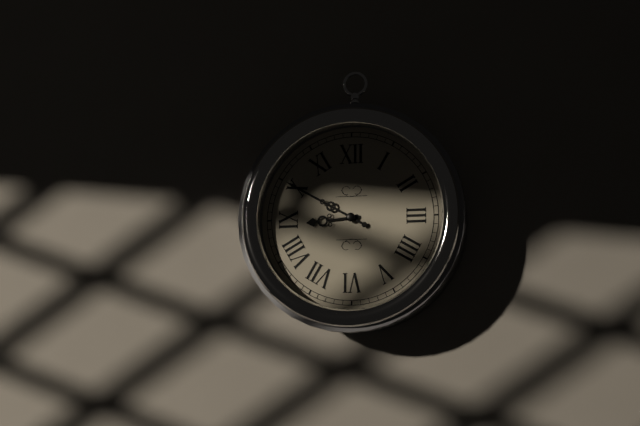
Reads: 8.50
